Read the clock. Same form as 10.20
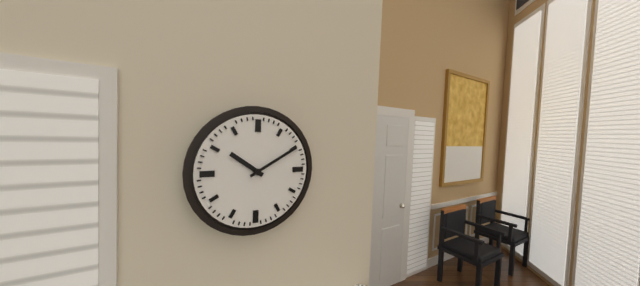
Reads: 10.10
